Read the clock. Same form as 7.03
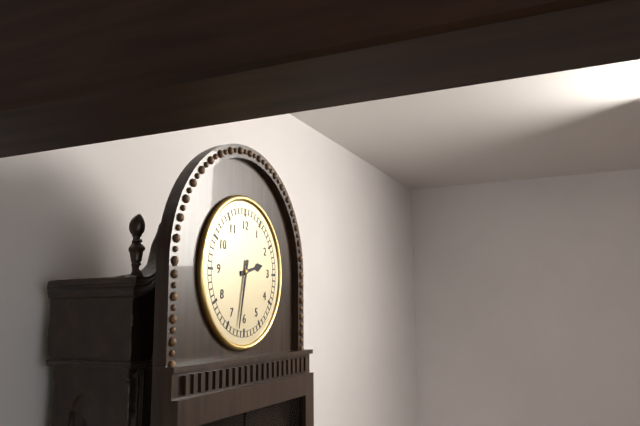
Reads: 2.32
